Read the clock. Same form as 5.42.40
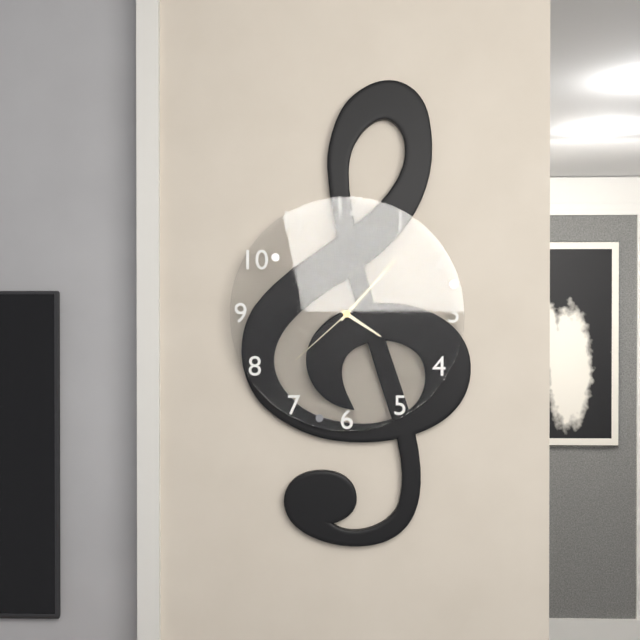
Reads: 4.07.38
